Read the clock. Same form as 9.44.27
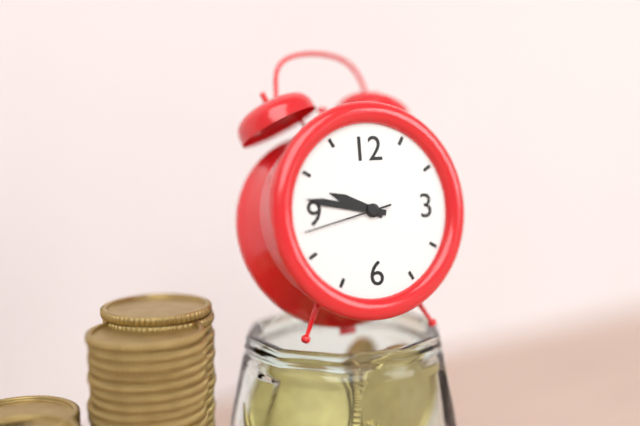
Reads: 9.47.43
